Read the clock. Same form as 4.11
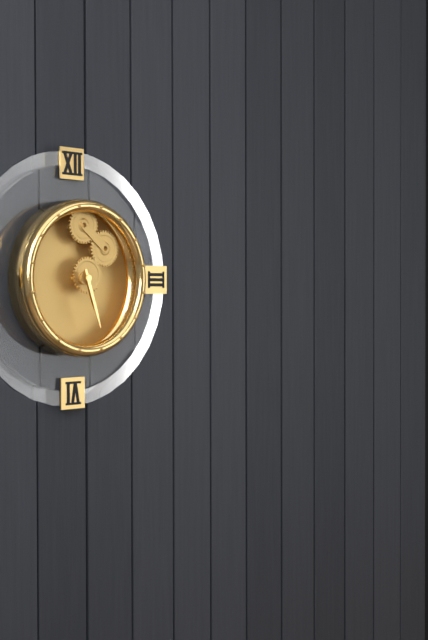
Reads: 5.27
